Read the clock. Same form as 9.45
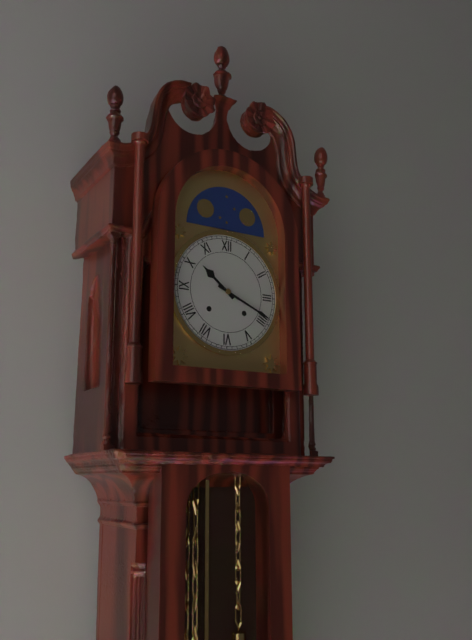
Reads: 10.19
